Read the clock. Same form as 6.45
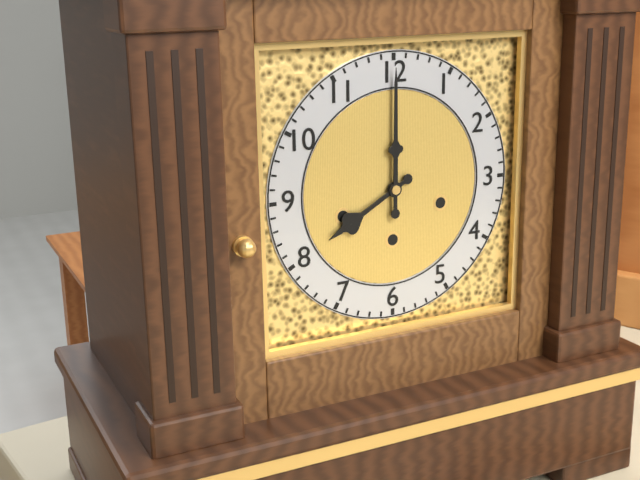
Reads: 8.00
